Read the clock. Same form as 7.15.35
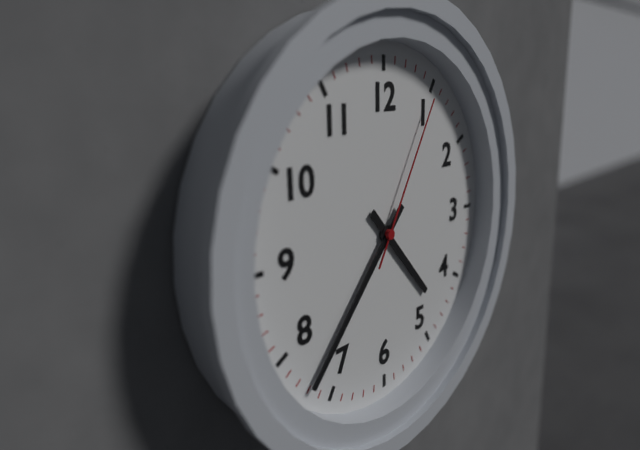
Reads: 4.37.05
